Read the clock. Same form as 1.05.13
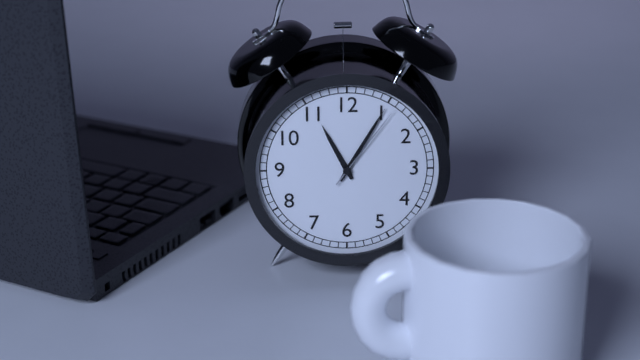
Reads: 11.05.06
